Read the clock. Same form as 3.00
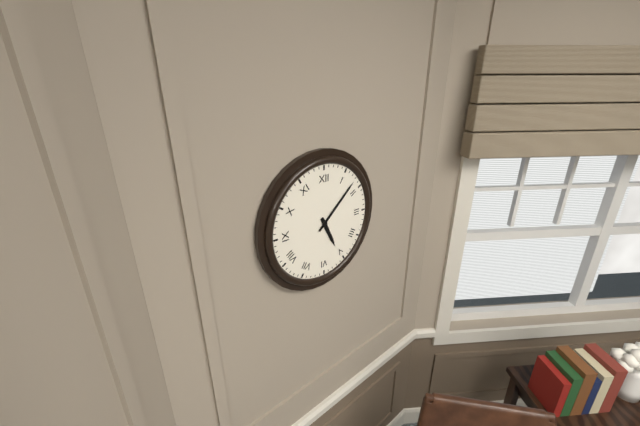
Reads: 5.08
